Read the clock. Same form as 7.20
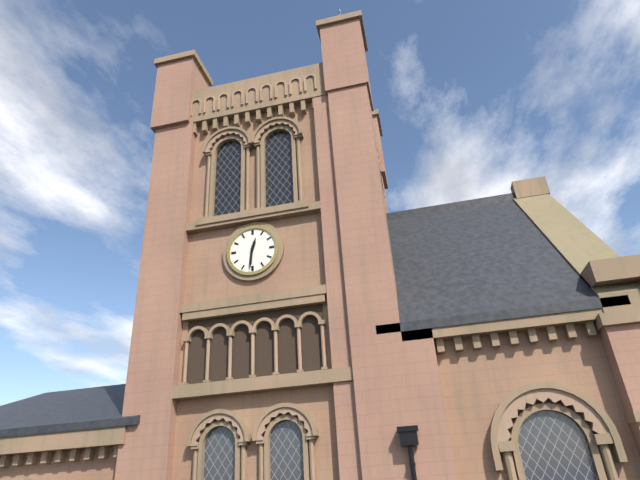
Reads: 12.31
